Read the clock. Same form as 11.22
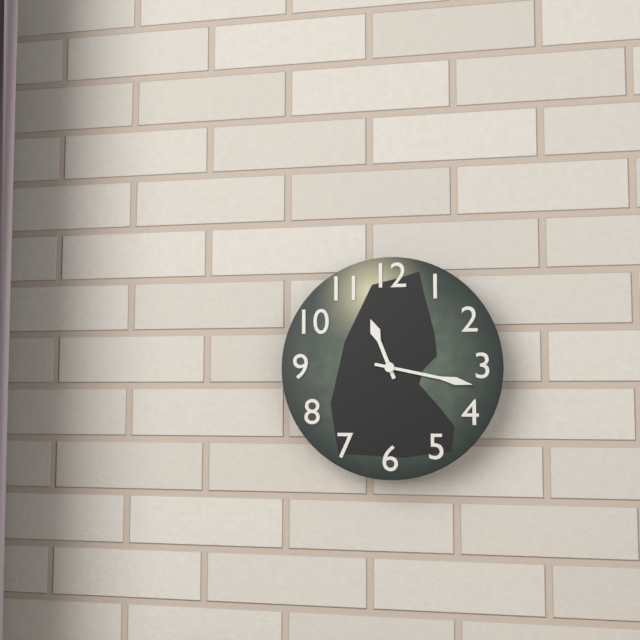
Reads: 11.17
